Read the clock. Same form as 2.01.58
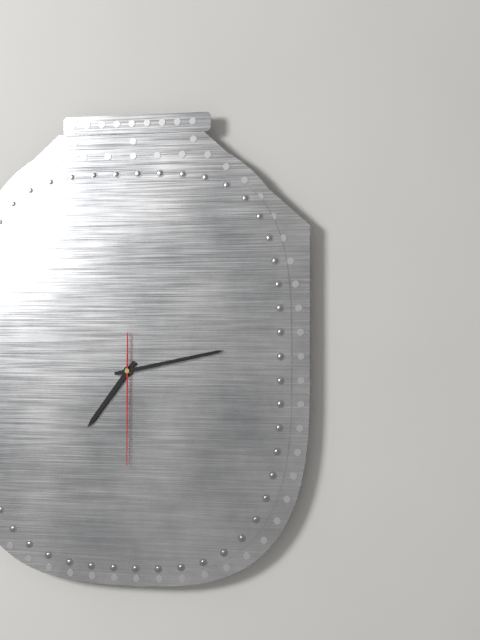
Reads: 7.13.30
